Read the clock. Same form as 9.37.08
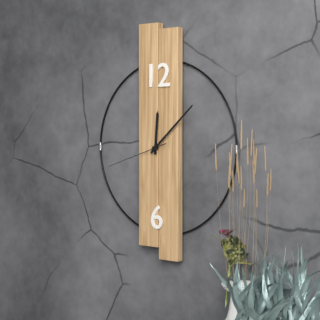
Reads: 12.08.42
